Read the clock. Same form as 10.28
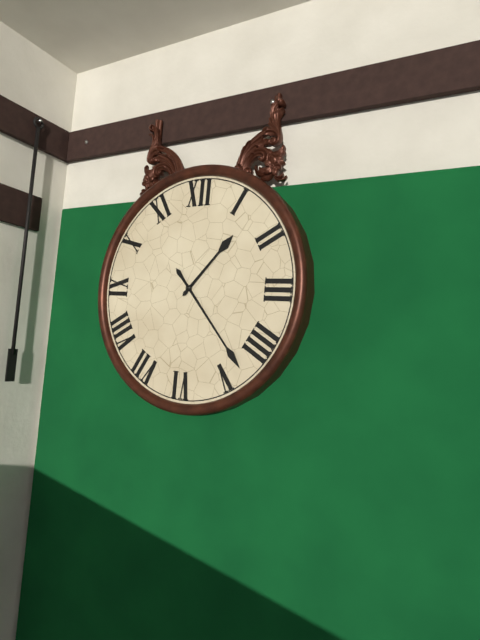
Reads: 1.23
